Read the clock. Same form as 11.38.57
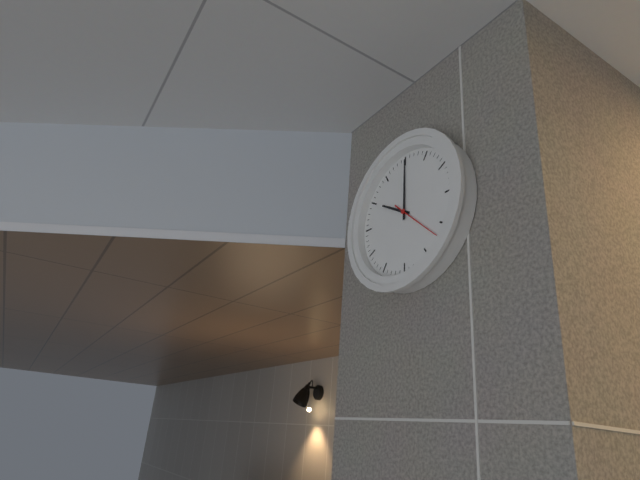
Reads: 10.00.22
